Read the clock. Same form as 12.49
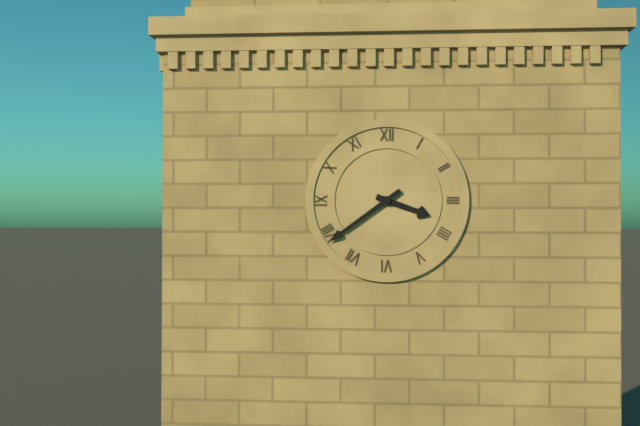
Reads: 3.39
